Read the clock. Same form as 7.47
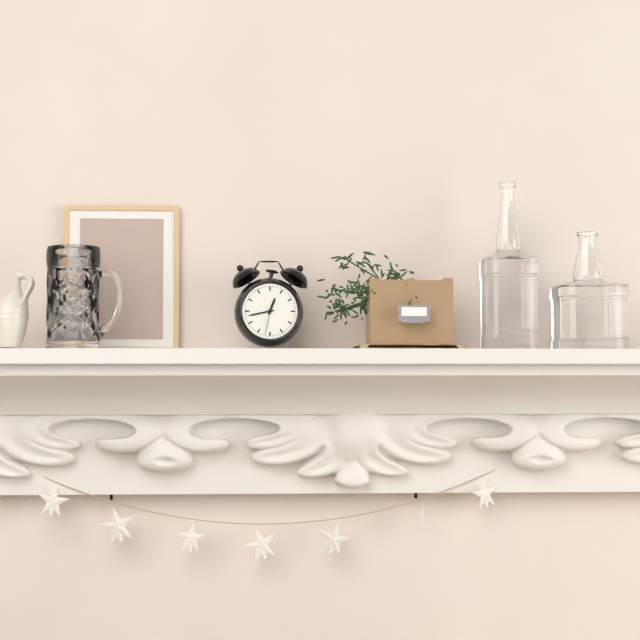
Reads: 12.43
